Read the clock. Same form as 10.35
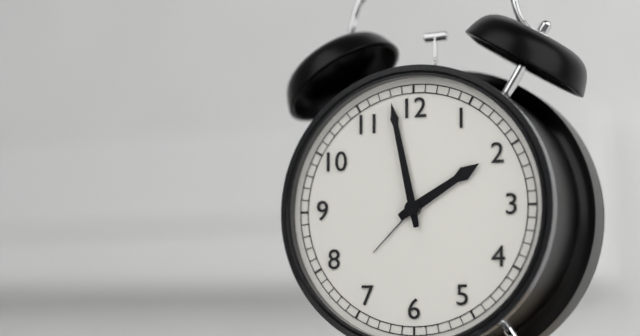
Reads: 1.58
